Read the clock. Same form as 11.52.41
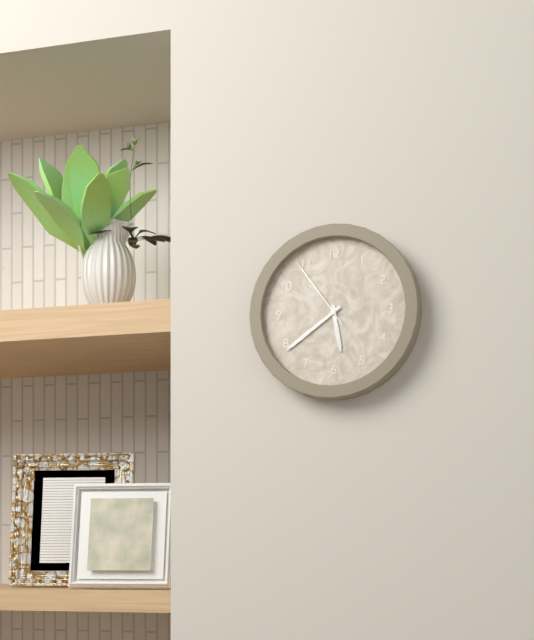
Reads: 5.39.54
